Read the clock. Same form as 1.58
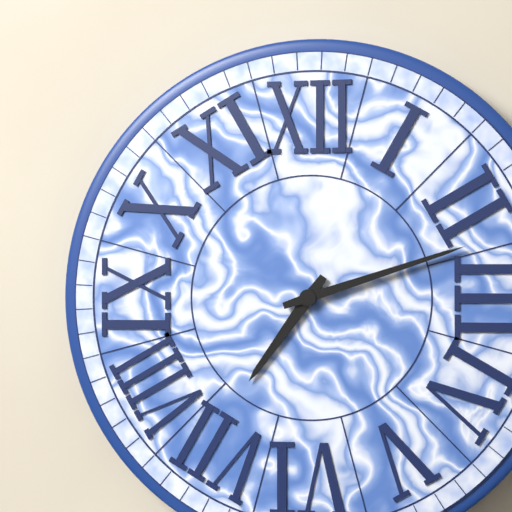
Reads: 7.12
